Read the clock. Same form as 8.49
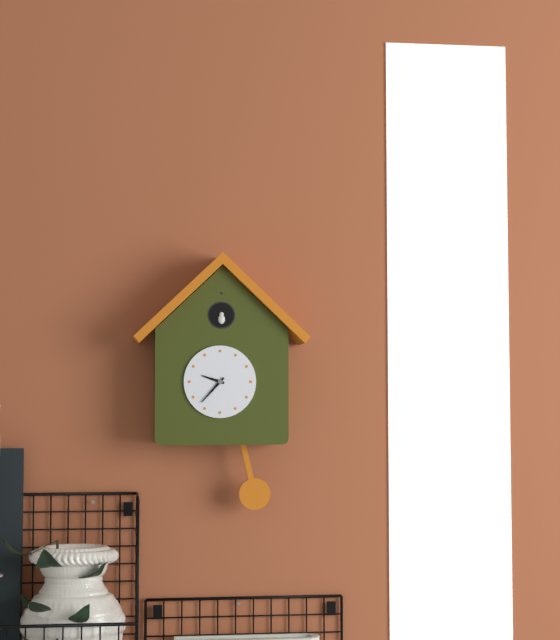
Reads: 9.37
